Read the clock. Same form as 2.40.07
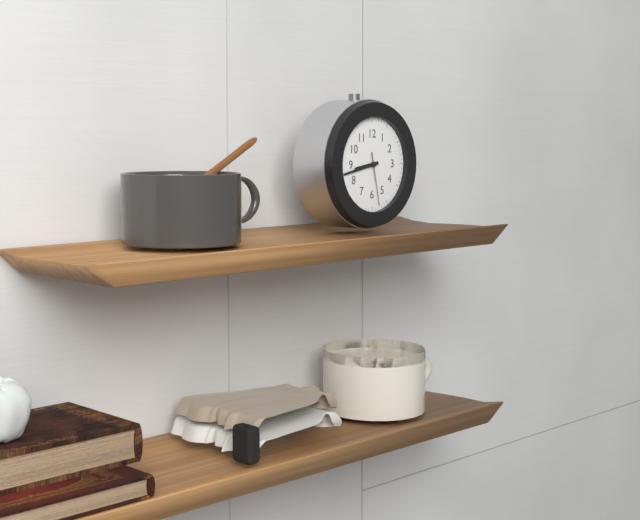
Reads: 8.43.28
